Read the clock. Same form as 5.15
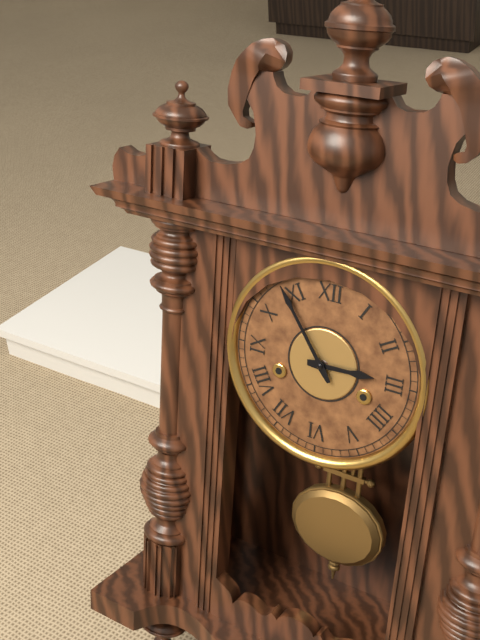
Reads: 2.54
